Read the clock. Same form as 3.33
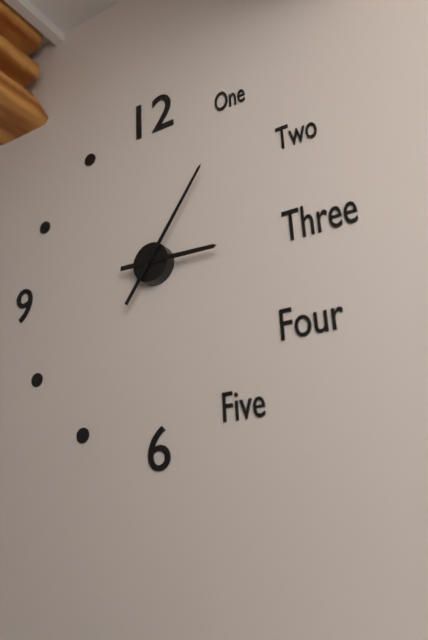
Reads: 3.06
